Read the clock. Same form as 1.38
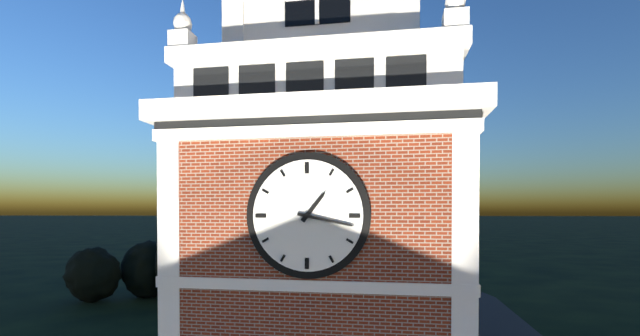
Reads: 1.17
